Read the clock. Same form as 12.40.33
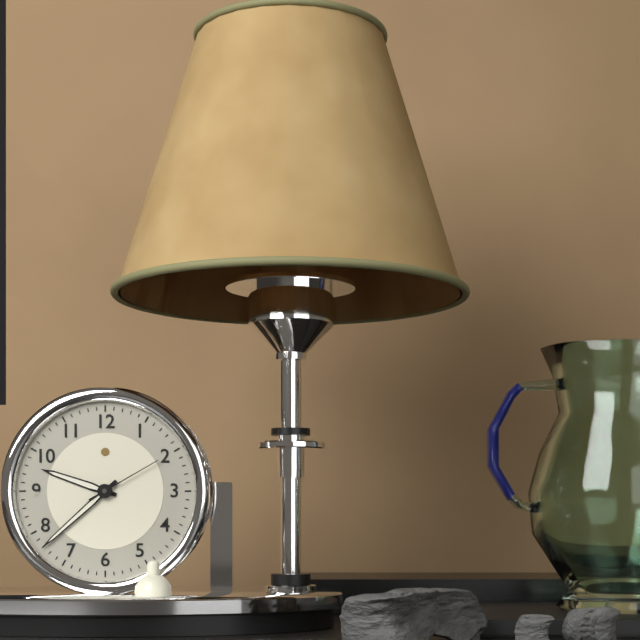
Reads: 9.38.10
